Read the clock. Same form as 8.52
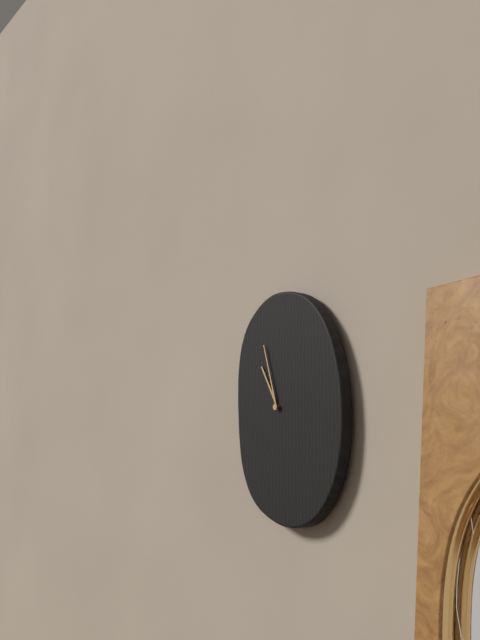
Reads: 10.57
